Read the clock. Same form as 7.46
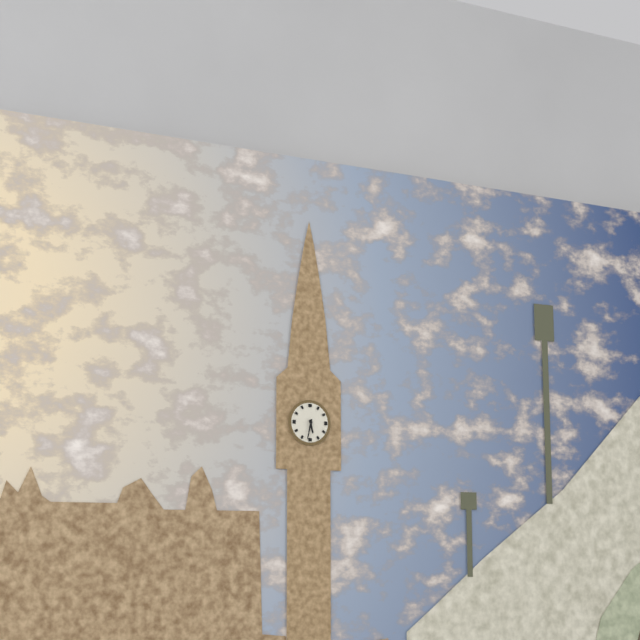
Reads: 5.32
